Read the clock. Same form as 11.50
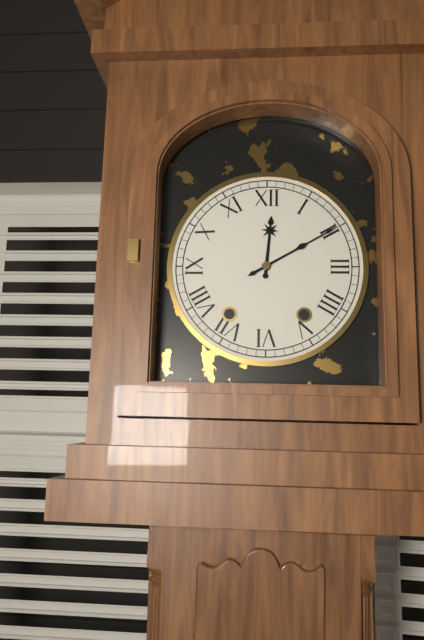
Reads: 12.10
